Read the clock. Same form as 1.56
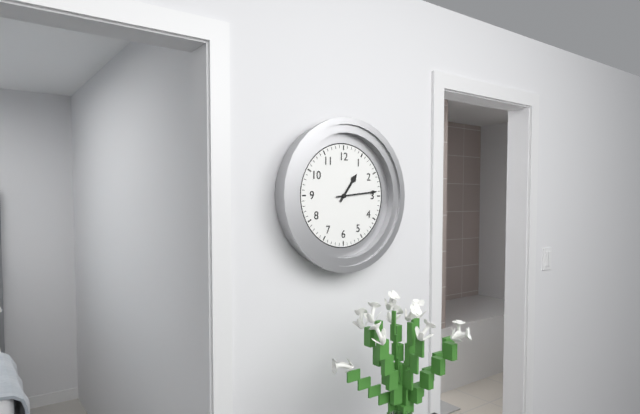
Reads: 1.14
